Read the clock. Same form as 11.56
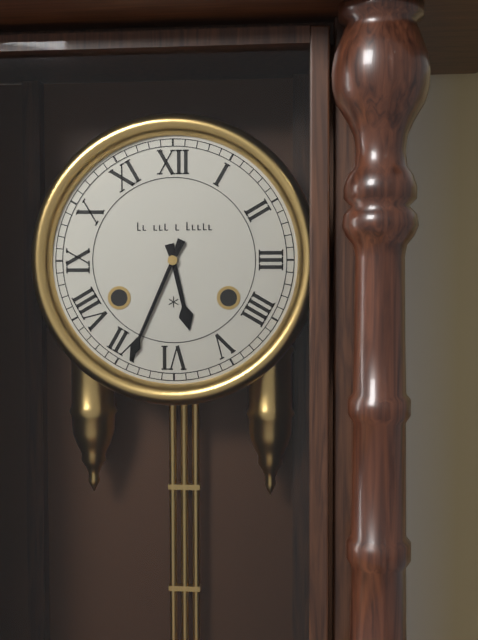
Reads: 5.34
